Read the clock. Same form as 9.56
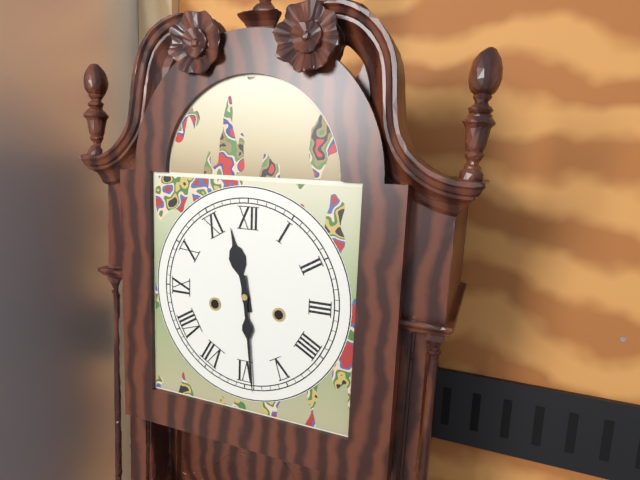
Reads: 11.29
